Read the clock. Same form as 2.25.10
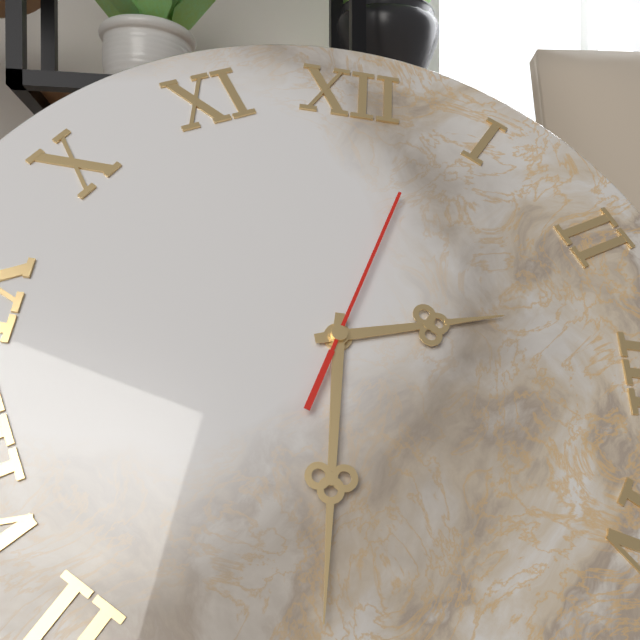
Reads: 2.30.03
